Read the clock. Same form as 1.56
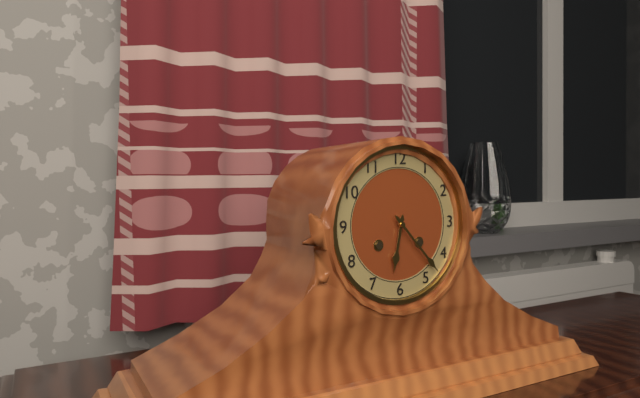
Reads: 6.23
